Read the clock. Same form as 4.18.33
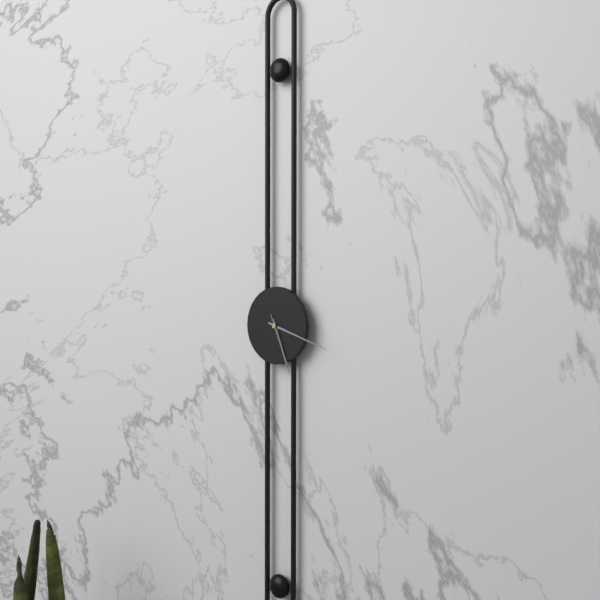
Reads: 5.18.26
